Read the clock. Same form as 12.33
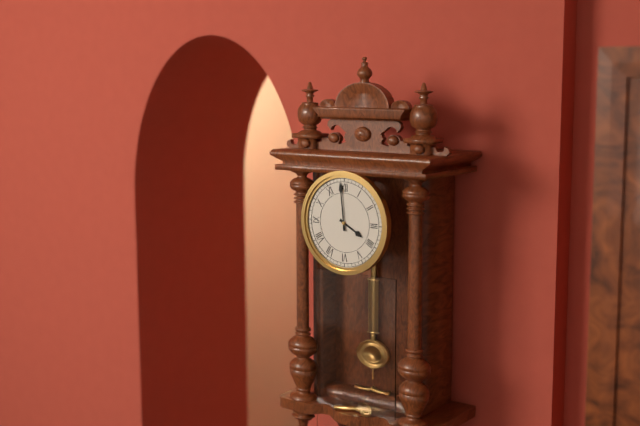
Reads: 3.59
